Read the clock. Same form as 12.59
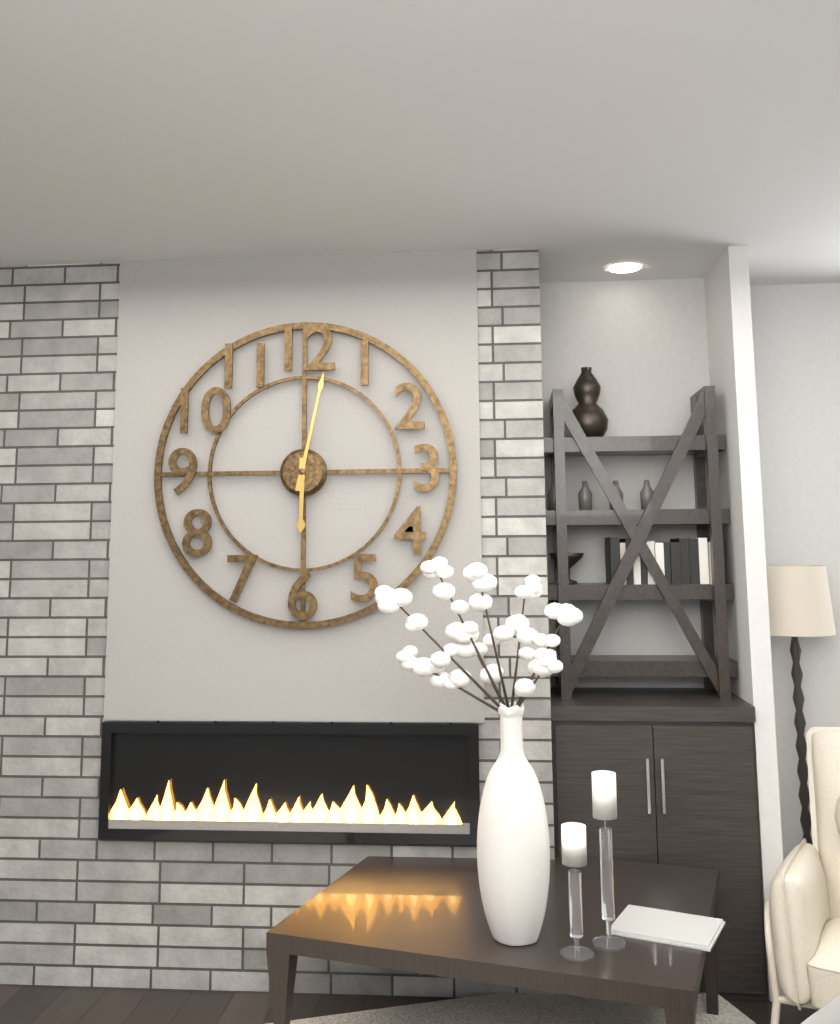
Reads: 6.02
